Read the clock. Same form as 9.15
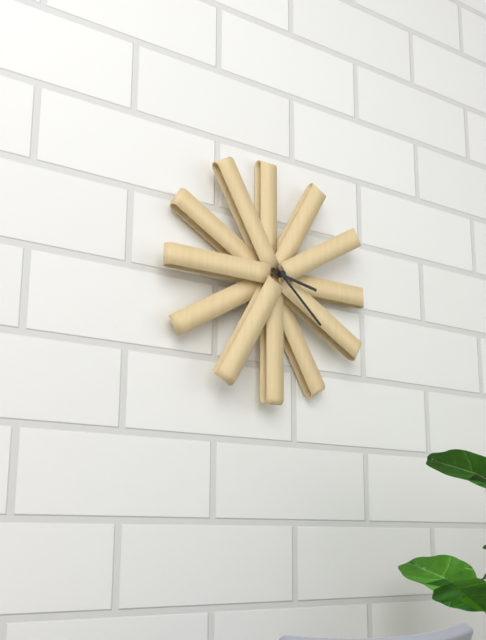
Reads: 3.22
